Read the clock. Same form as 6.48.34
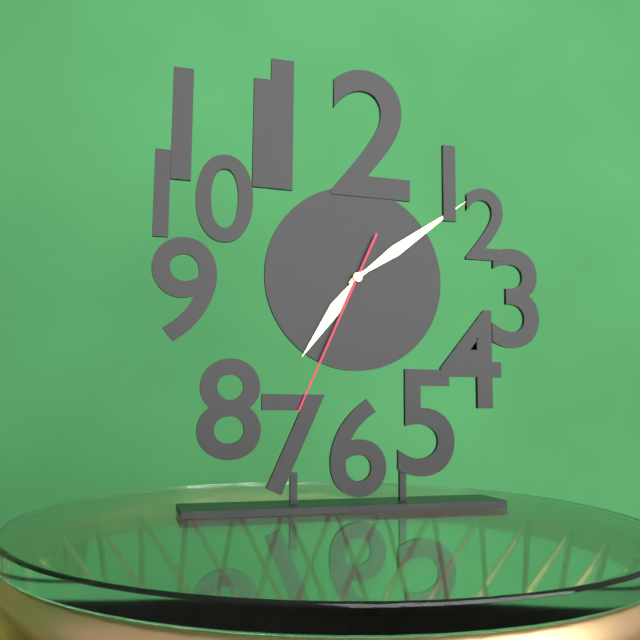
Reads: 7.09.34
